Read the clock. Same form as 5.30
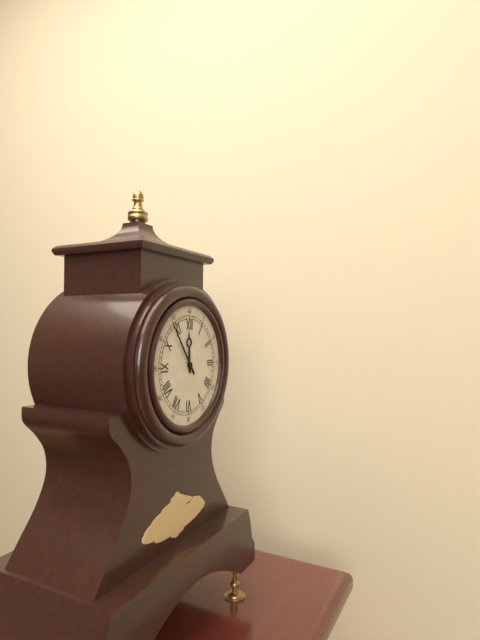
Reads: 11.54
